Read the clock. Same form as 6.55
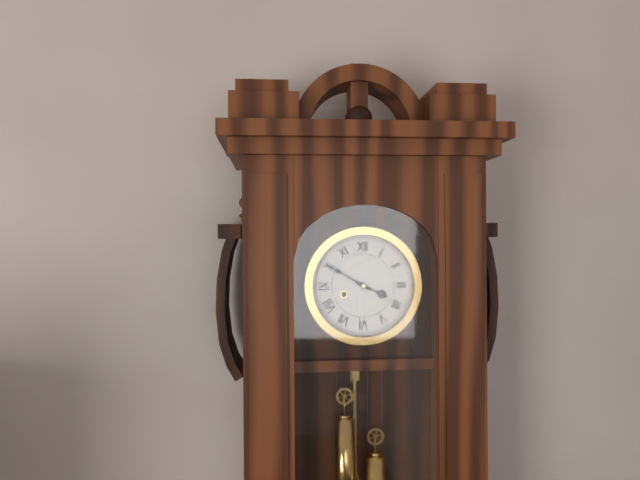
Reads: 3.50
